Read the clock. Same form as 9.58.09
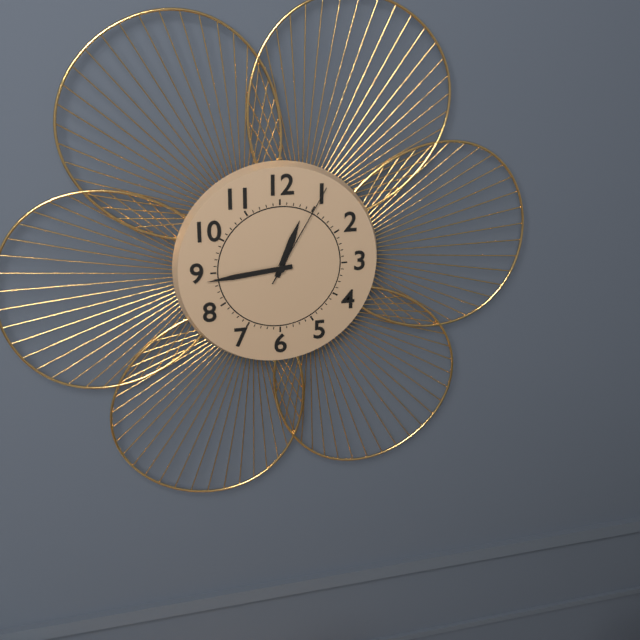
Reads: 12.44.05
